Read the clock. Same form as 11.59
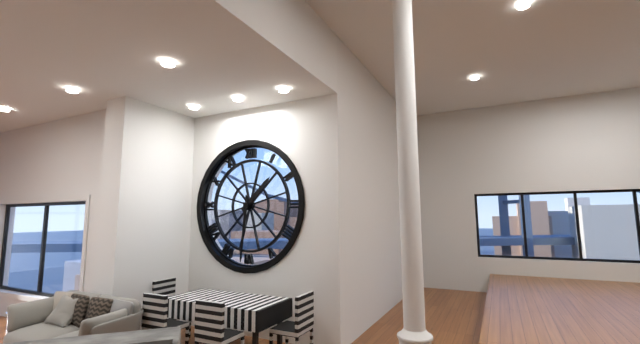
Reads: 1.31
